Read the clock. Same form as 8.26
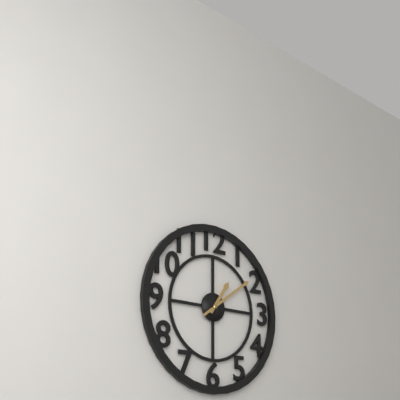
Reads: 1.09
